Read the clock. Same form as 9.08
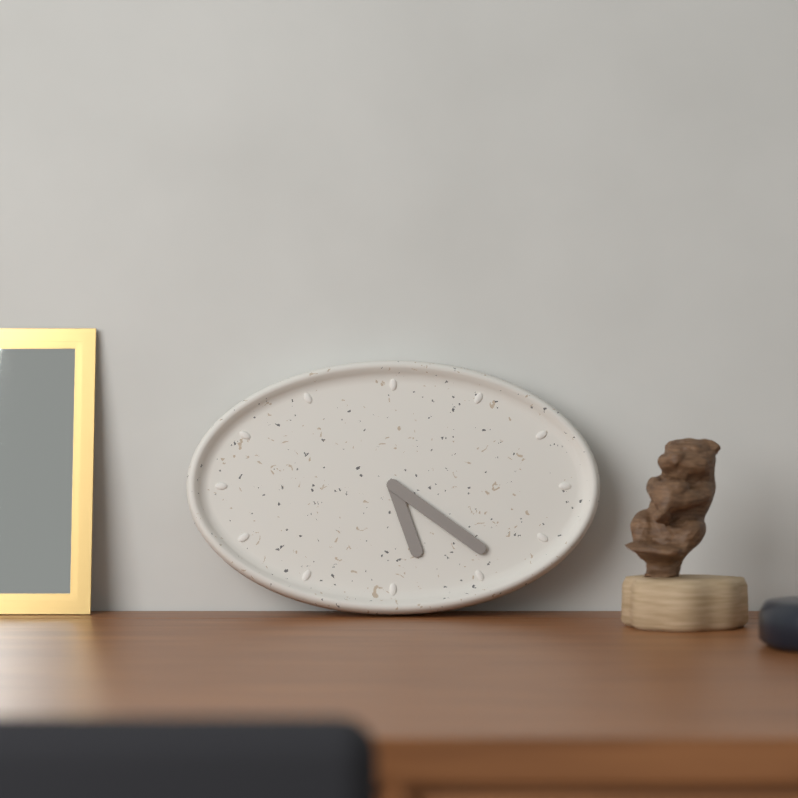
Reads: 5.21
